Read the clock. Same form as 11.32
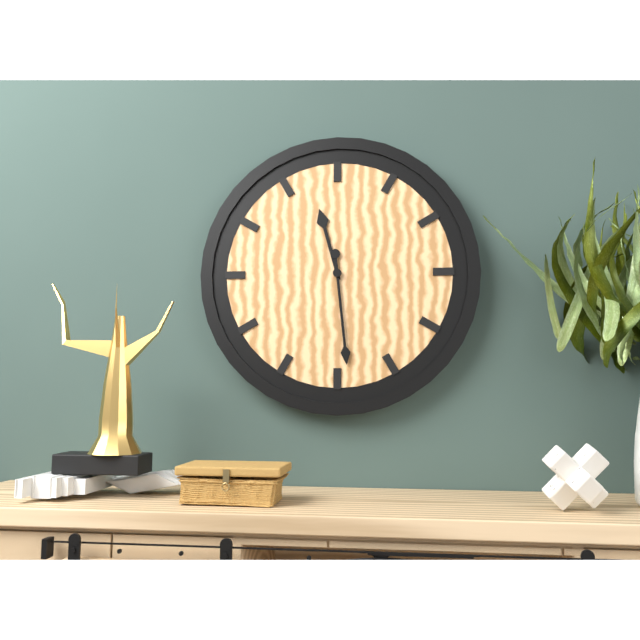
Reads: 11.29
